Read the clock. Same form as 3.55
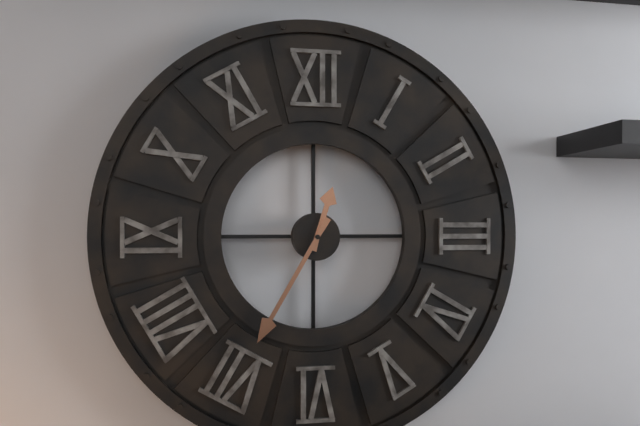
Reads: 12.35
